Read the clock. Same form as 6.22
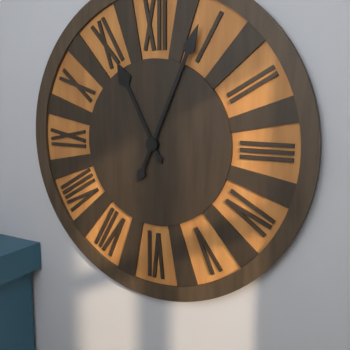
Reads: 11.04
